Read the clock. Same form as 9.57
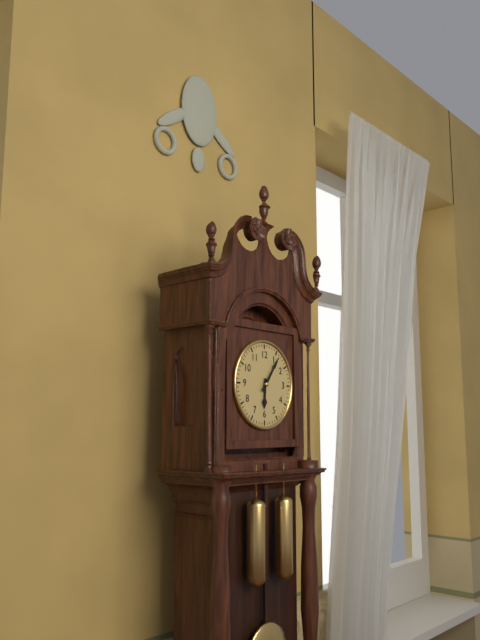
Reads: 6.06
